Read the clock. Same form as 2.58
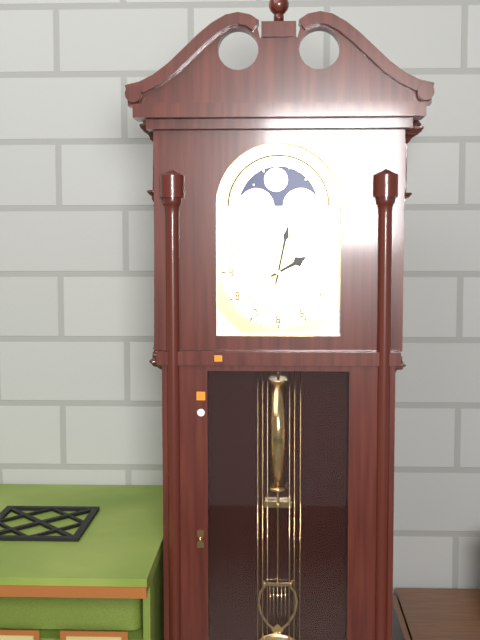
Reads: 2.02
